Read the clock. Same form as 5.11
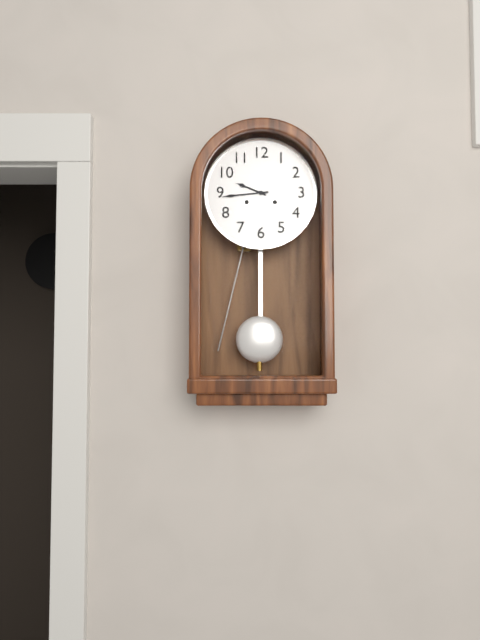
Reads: 9.44
